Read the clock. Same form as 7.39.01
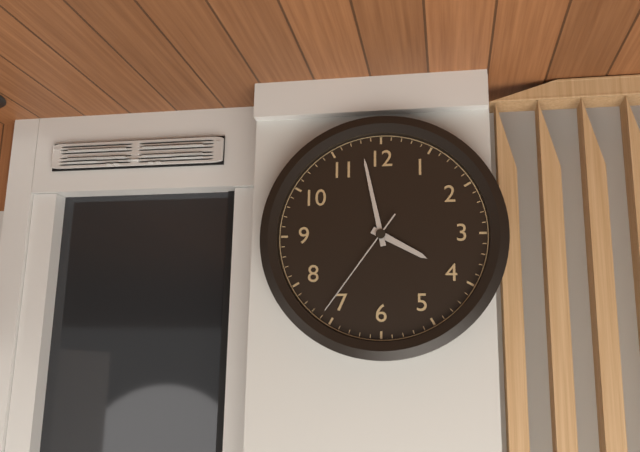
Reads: 3.58.36
